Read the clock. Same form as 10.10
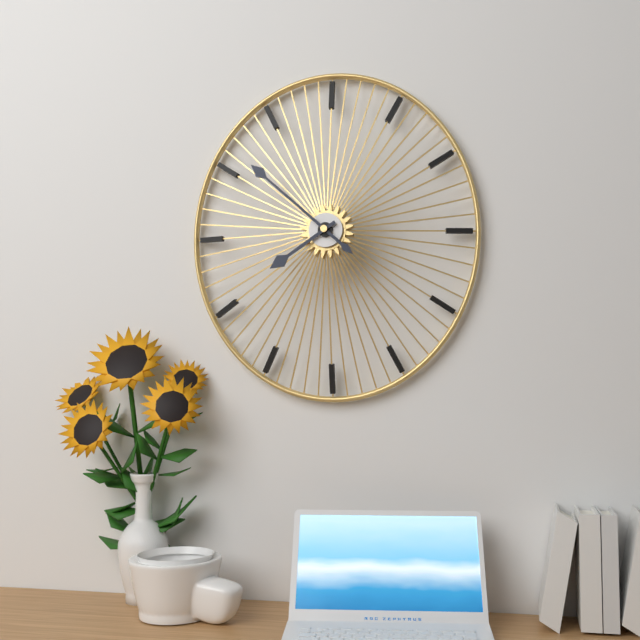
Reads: 7.52
